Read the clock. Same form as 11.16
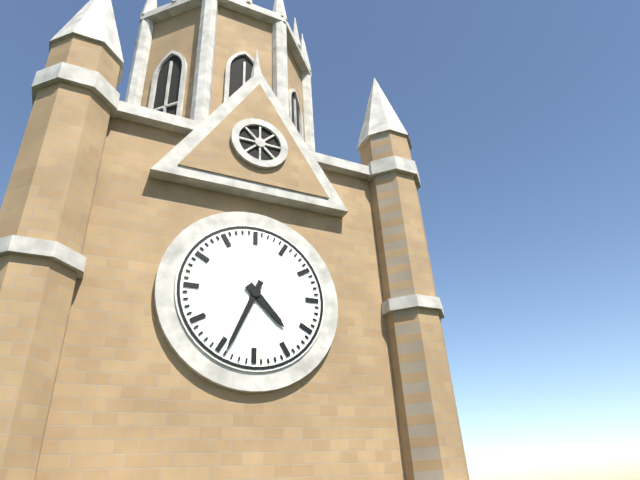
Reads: 4.34
